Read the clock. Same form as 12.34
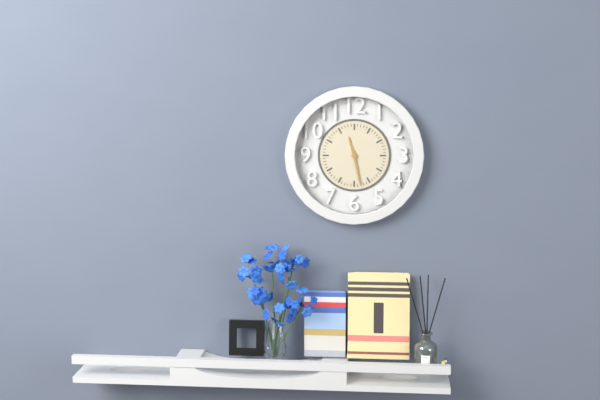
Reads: 11.28
